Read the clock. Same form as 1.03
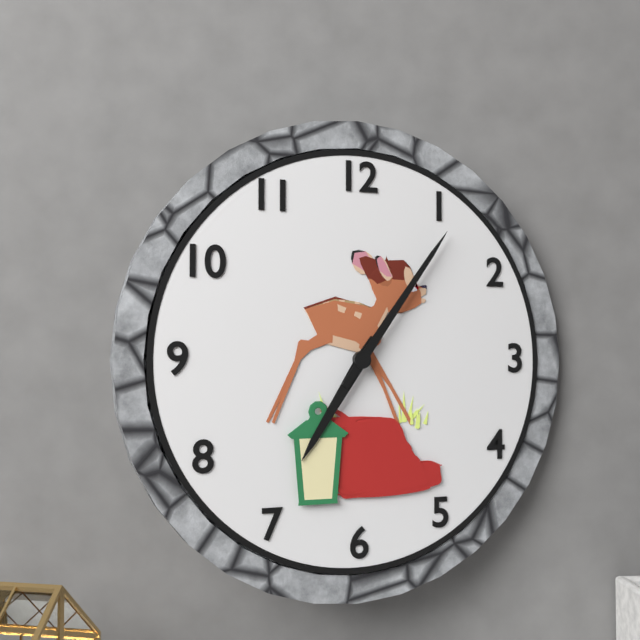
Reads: 7.06
